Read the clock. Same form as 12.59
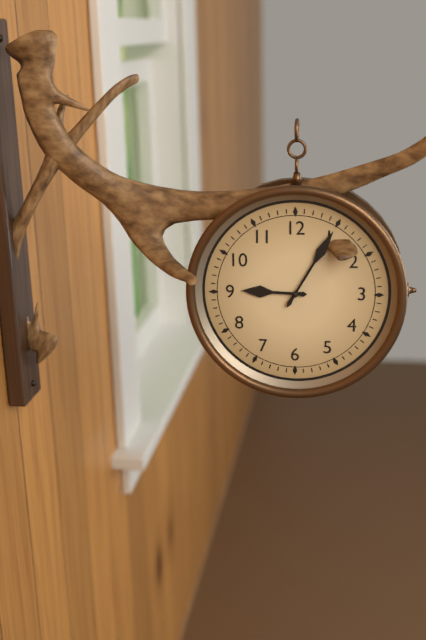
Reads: 9.05
